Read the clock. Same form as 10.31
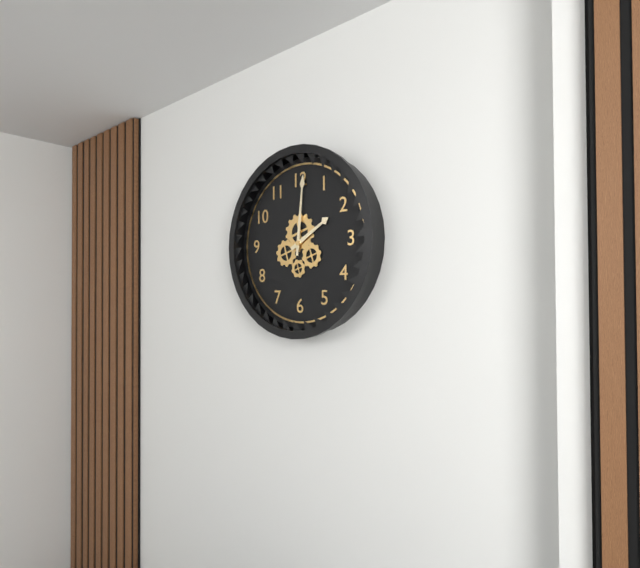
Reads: 2.01
